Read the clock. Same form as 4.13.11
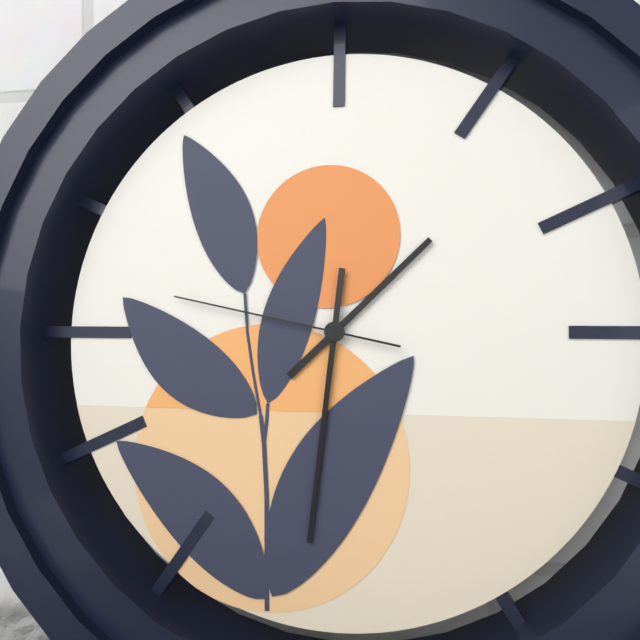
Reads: 1.31.47
